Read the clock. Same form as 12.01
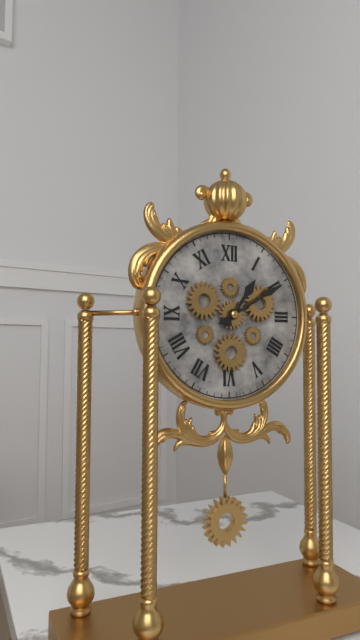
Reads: 1.10
